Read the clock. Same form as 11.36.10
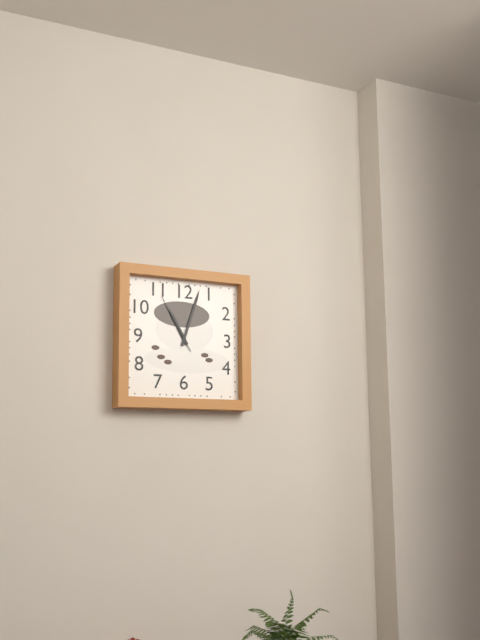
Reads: 11.03.55
